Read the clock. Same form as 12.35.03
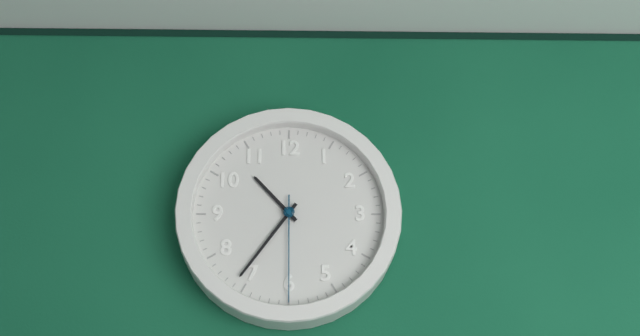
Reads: 10.36.30
